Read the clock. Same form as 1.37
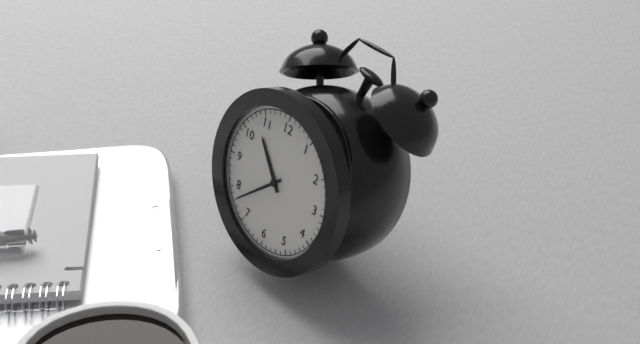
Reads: 10.38
